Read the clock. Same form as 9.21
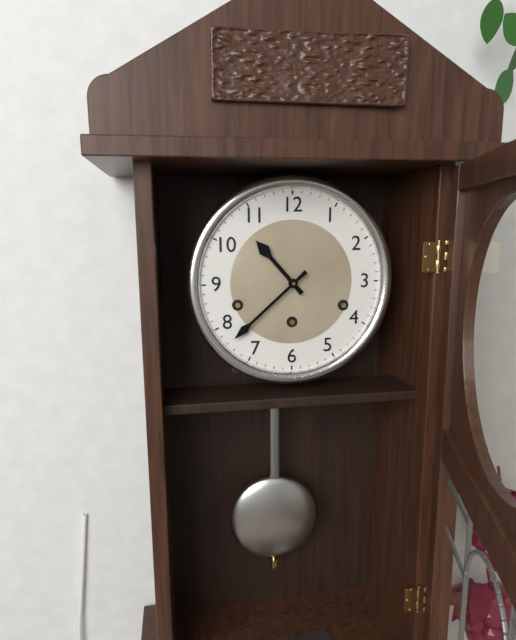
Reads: 10.38
